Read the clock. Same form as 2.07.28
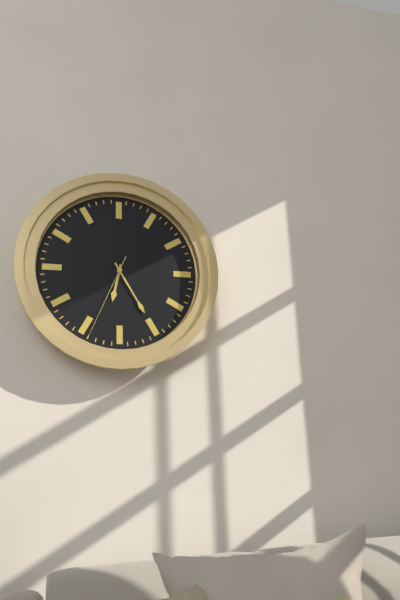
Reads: 6.25.34
